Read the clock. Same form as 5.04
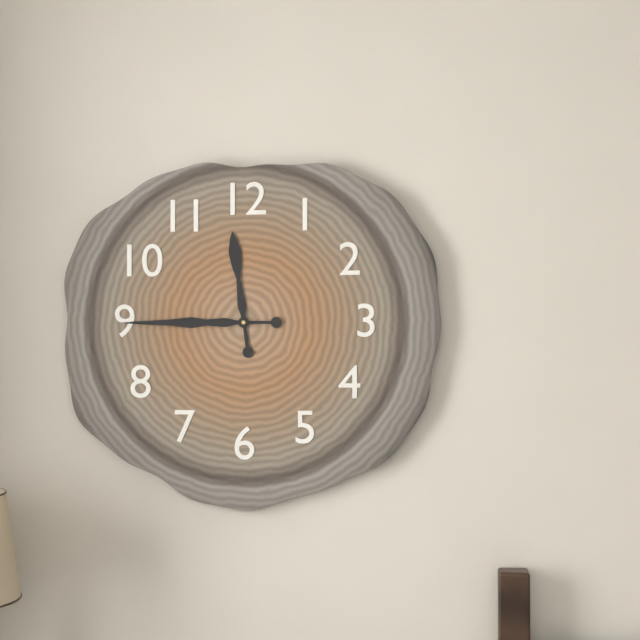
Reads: 11.45
